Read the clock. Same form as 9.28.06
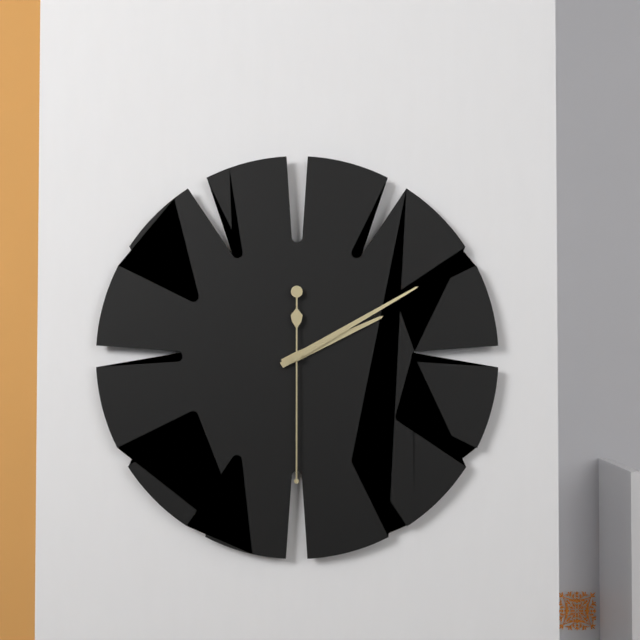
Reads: 2.10.30
